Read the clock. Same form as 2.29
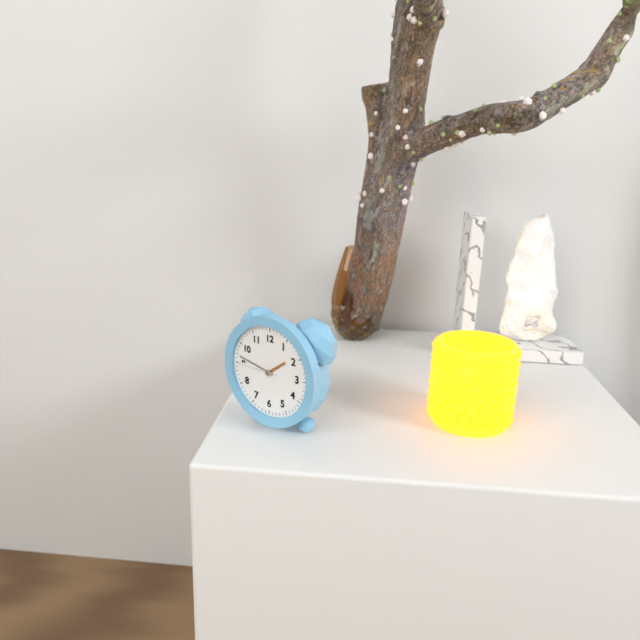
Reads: 1.47
